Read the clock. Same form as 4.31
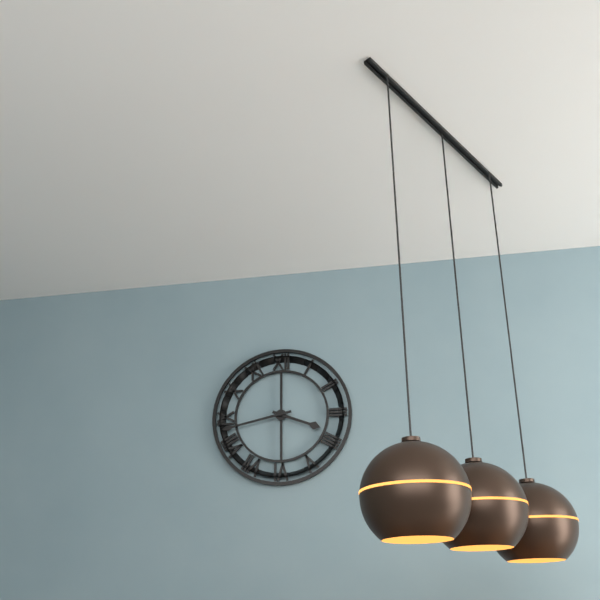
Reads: 3.43
